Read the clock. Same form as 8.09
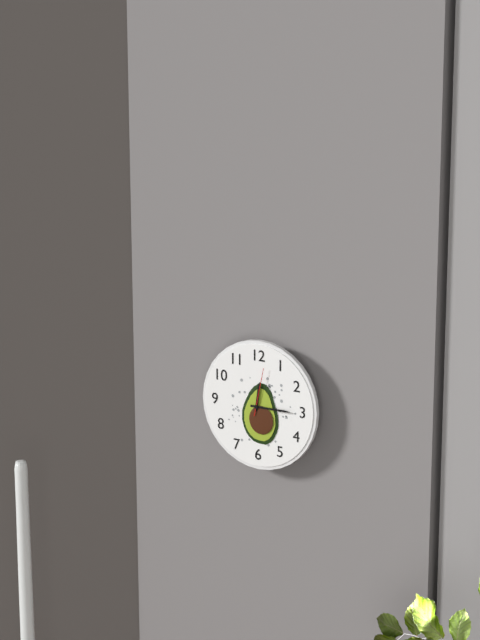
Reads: 12.15
